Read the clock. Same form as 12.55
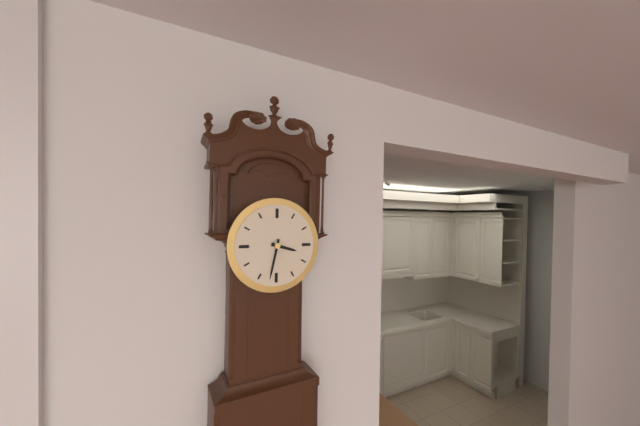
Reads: 3.32
